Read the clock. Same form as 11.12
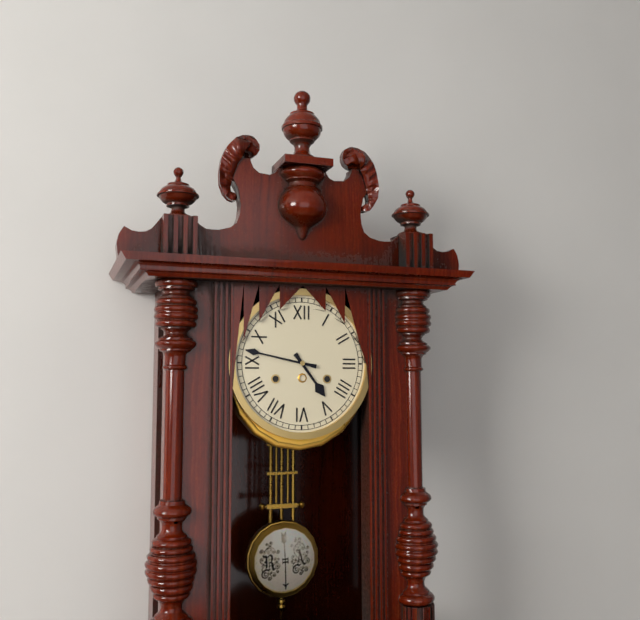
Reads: 4.47
